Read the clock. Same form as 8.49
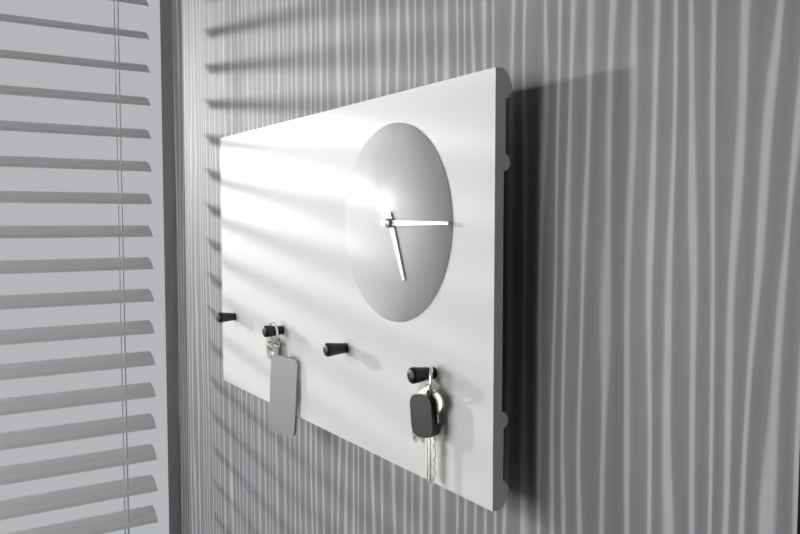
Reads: 5.15
